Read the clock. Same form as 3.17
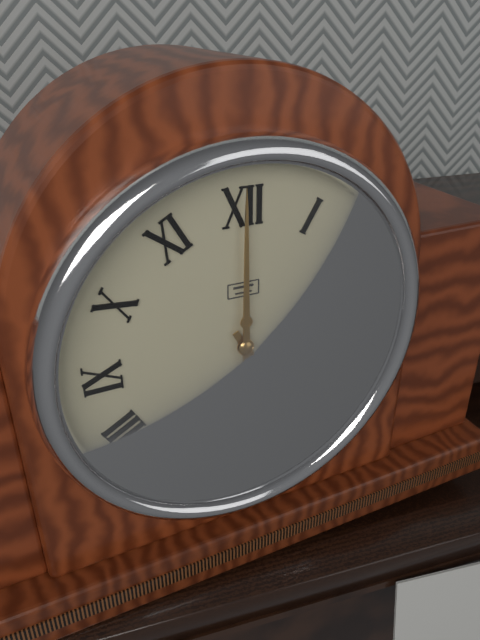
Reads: 5.00
